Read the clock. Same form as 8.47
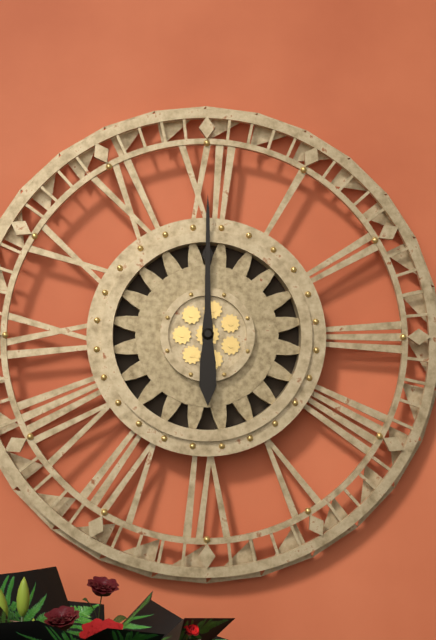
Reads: 12.00
